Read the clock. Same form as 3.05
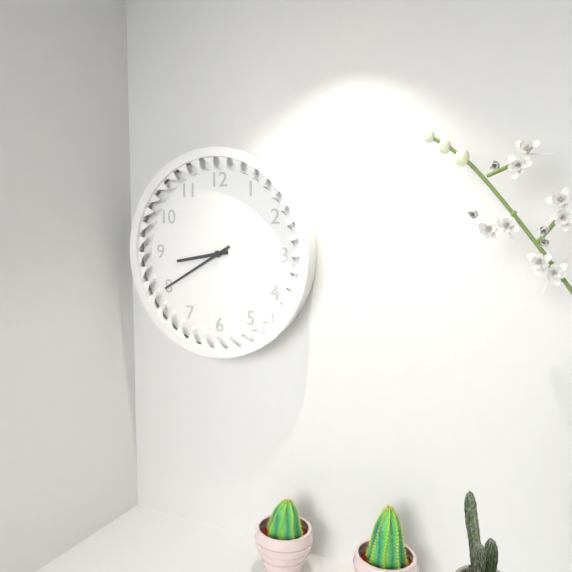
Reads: 8.40
